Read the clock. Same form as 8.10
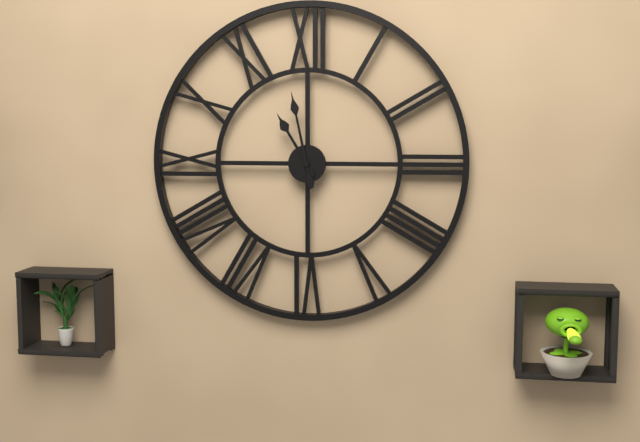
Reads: 10.58
